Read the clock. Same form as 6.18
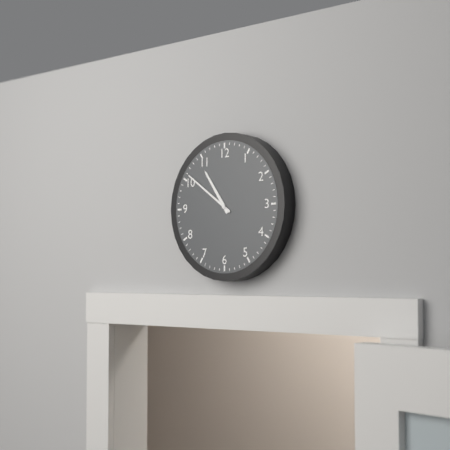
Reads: 10.51
